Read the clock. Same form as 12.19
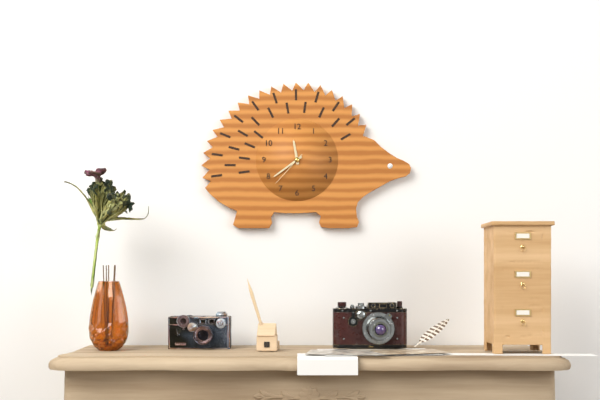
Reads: 11.39
